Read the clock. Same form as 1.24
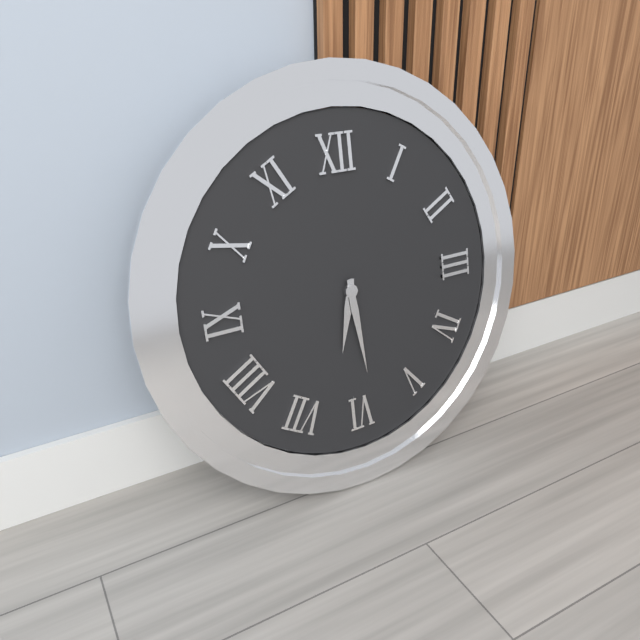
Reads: 6.29
